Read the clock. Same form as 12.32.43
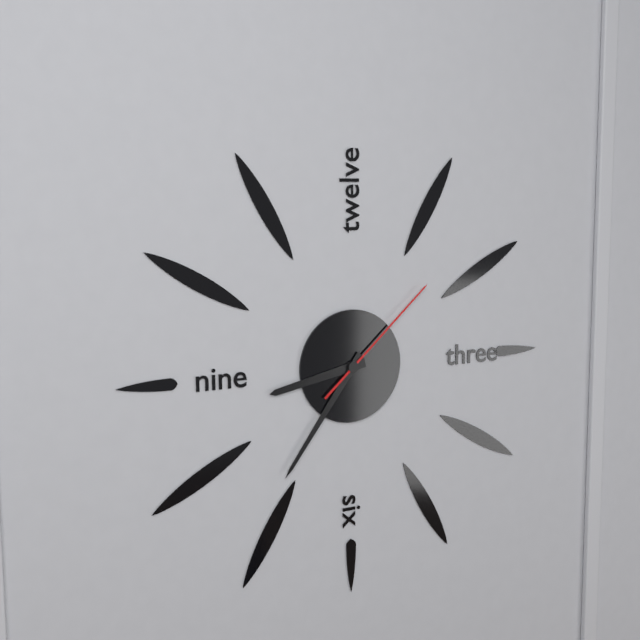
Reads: 8.36.08
